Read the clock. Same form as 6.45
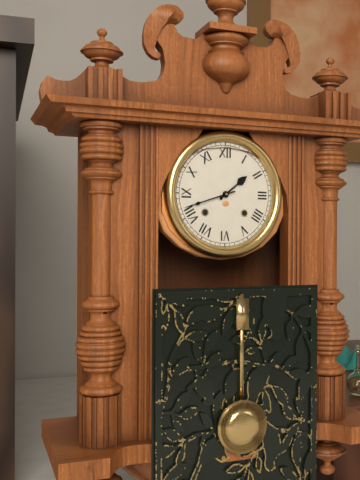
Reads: 1.42
